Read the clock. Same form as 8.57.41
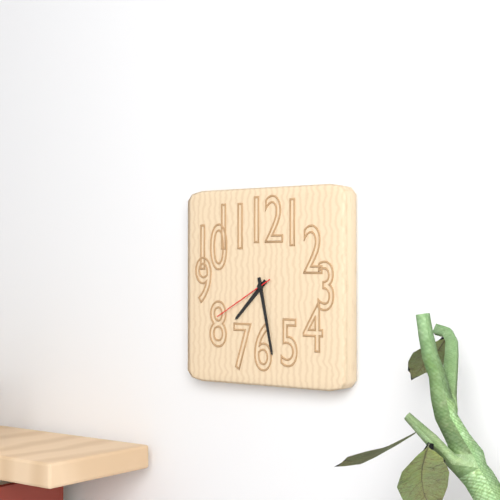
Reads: 7.28.40
